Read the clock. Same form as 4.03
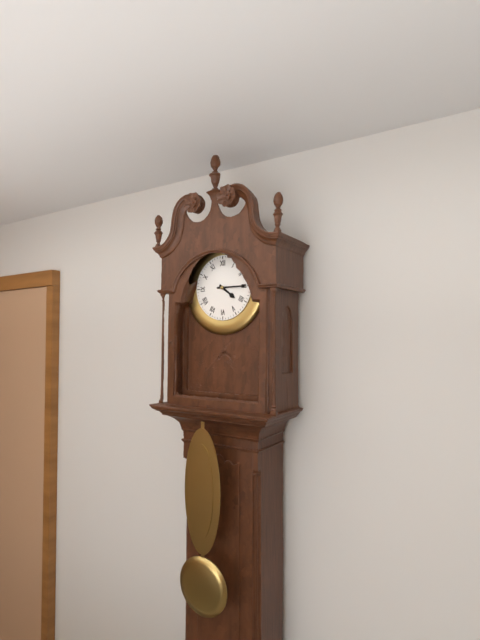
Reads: 4.15
